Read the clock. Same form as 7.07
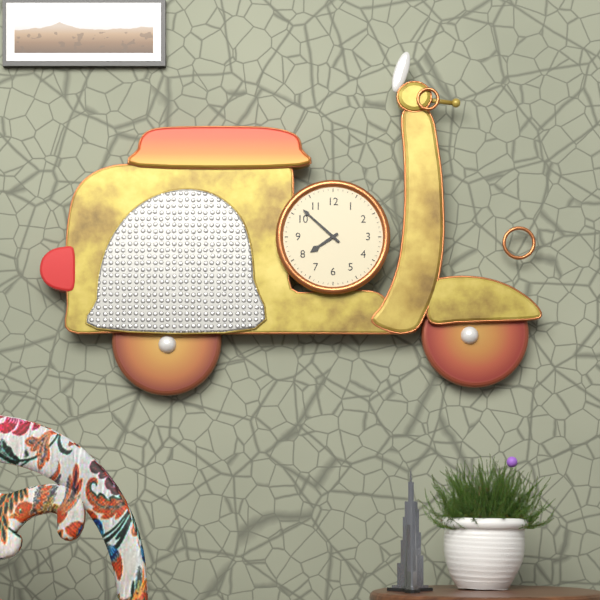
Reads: 7.52
